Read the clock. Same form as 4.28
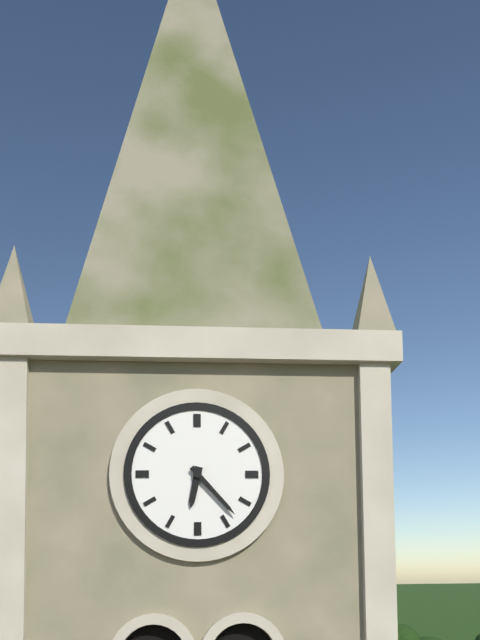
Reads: 6.23
